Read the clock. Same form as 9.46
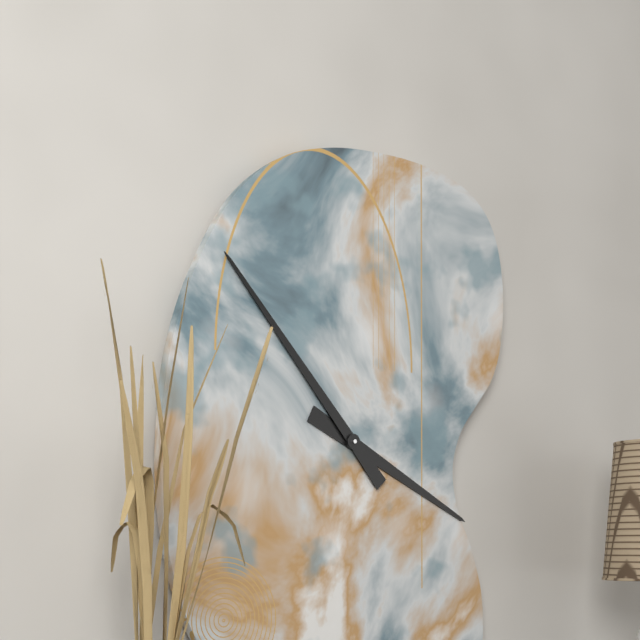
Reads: 3.53
